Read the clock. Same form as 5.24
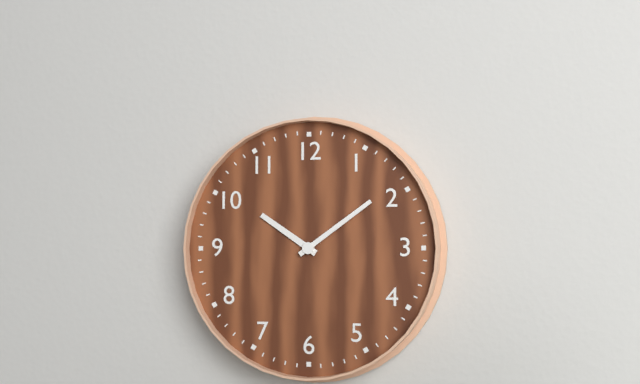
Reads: 10.09
